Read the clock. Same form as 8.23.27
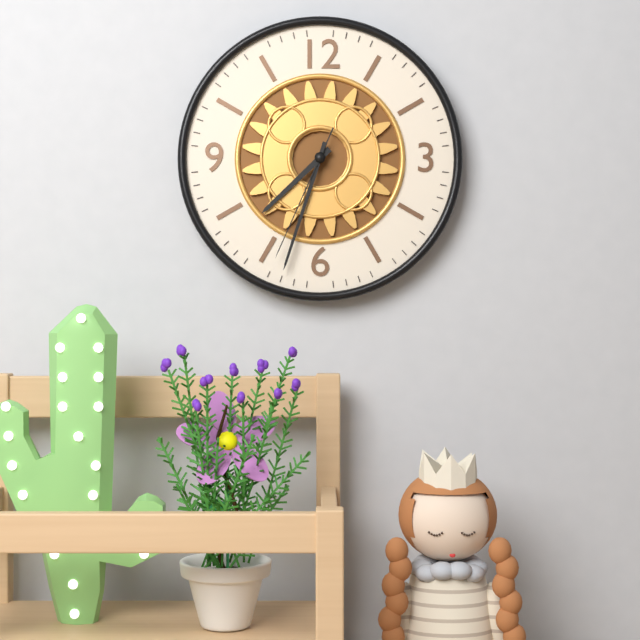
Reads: 7.33.34
